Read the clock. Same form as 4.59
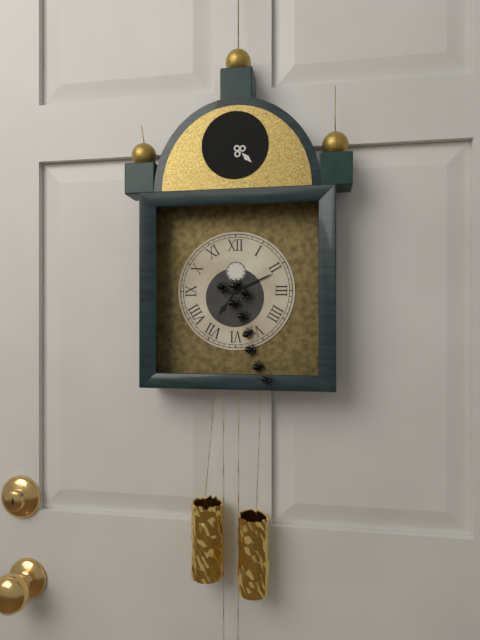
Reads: 7.11
